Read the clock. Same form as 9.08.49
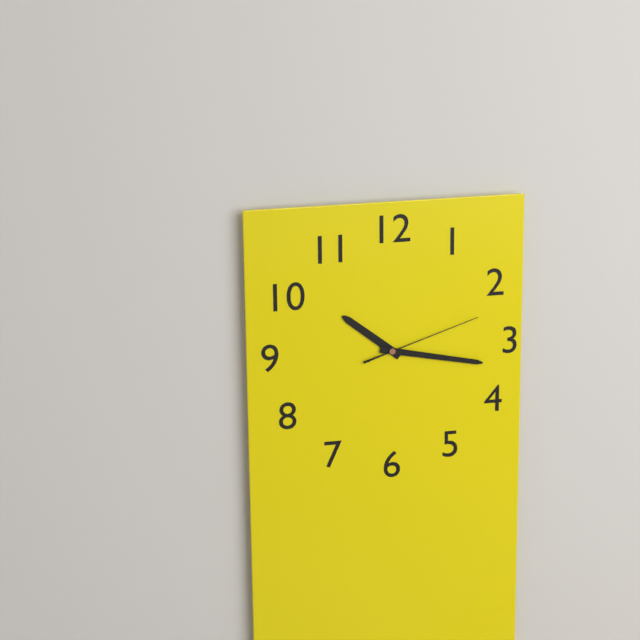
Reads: 10.17.12
